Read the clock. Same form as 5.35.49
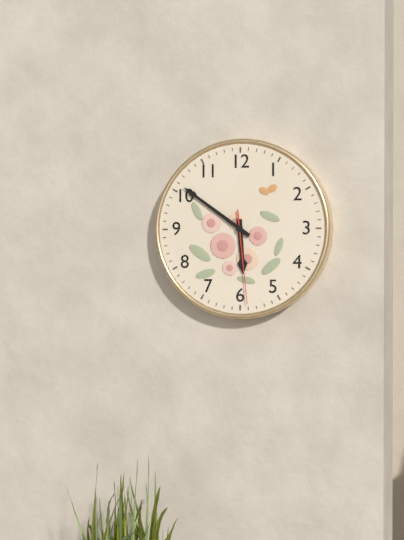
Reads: 5.51.29
